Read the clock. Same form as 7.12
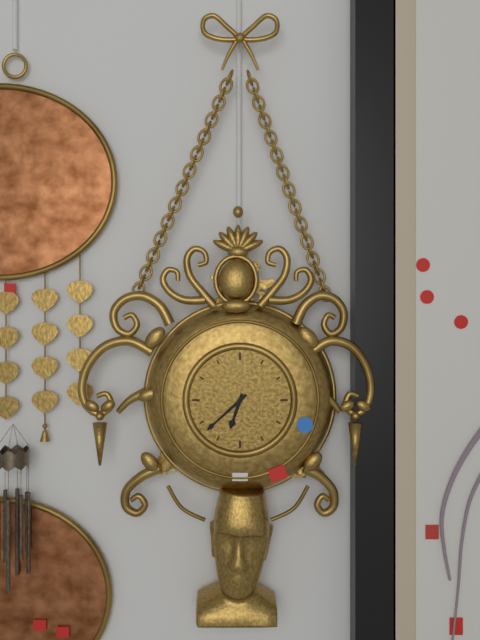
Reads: 6.38
